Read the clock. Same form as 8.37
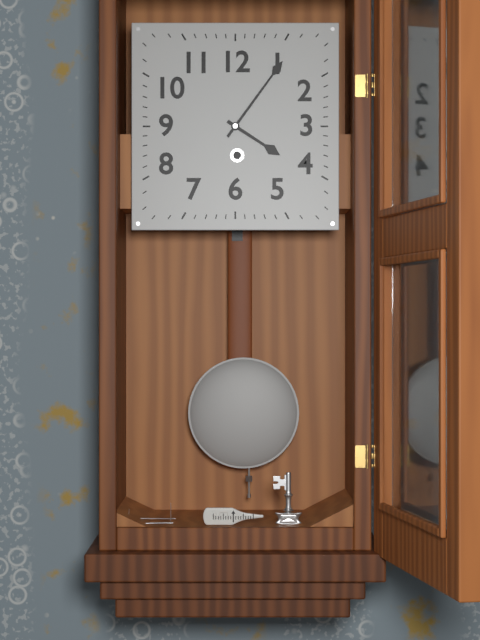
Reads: 4.06
